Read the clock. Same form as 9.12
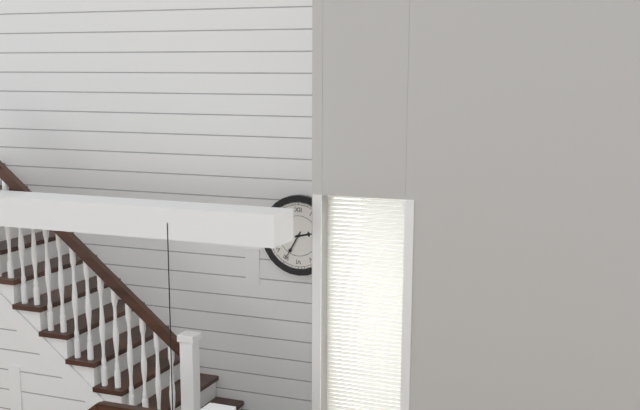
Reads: 2.35
